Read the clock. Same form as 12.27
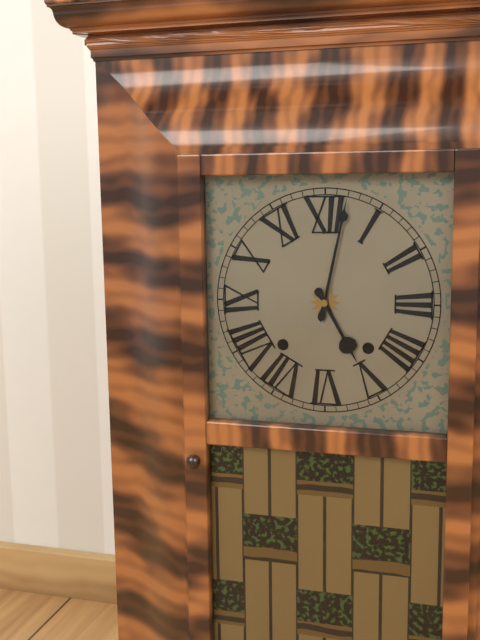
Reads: 5.02
